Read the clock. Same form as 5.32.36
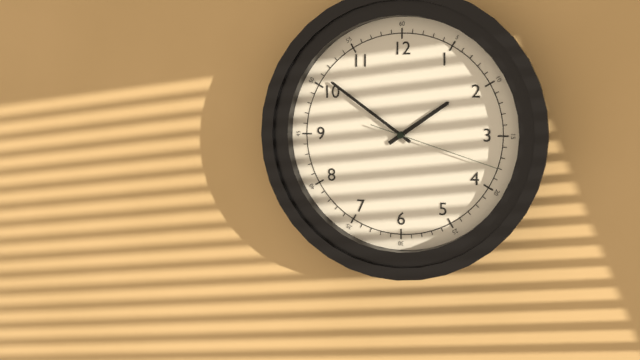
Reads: 1.51.18
